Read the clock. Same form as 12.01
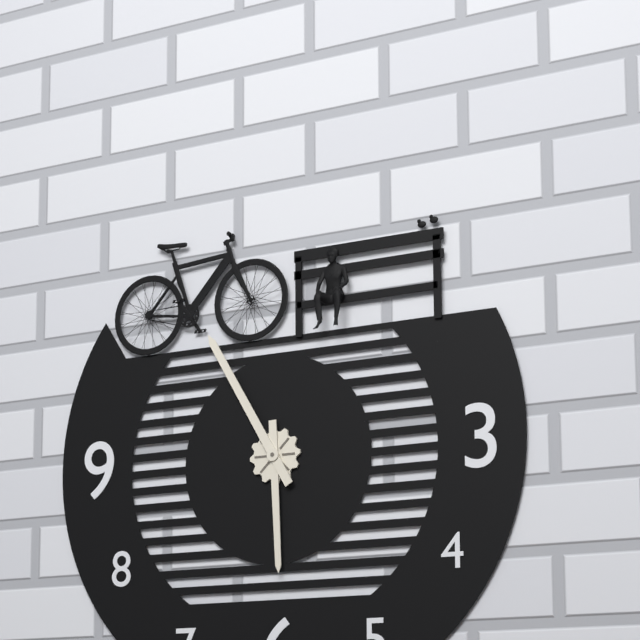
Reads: 5.55
